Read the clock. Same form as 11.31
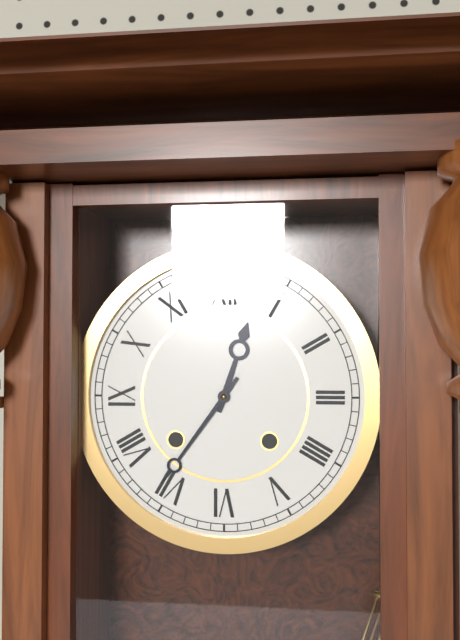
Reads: 12.36
